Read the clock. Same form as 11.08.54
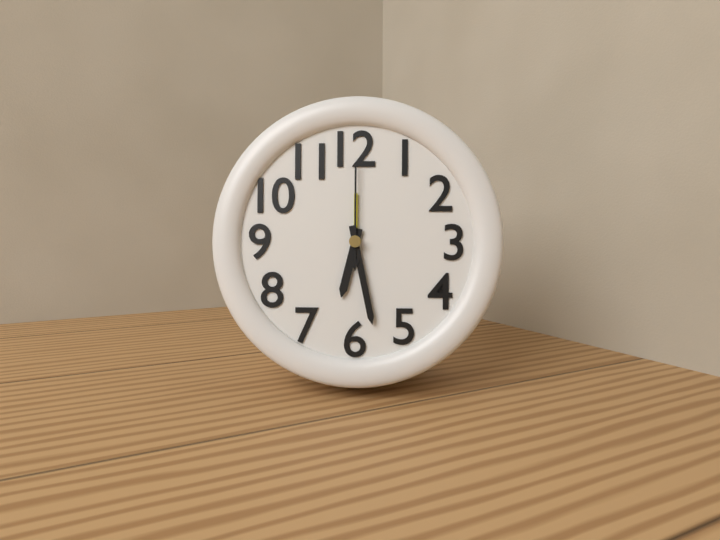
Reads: 6.28.00
